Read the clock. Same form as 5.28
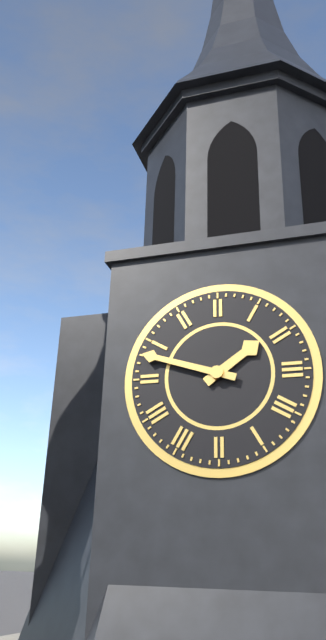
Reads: 1.48
